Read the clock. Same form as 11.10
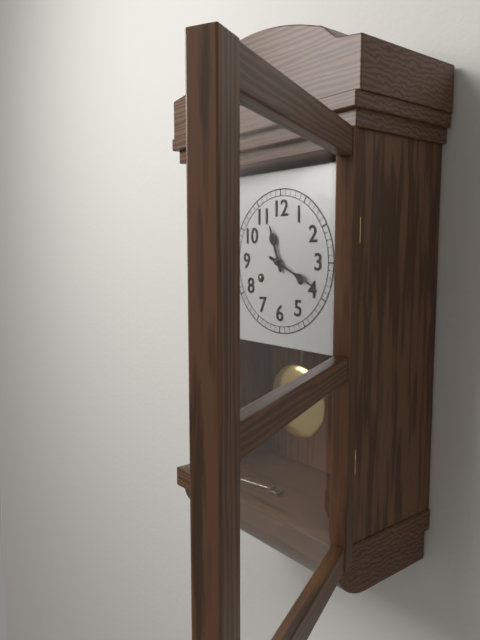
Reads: 11.19
